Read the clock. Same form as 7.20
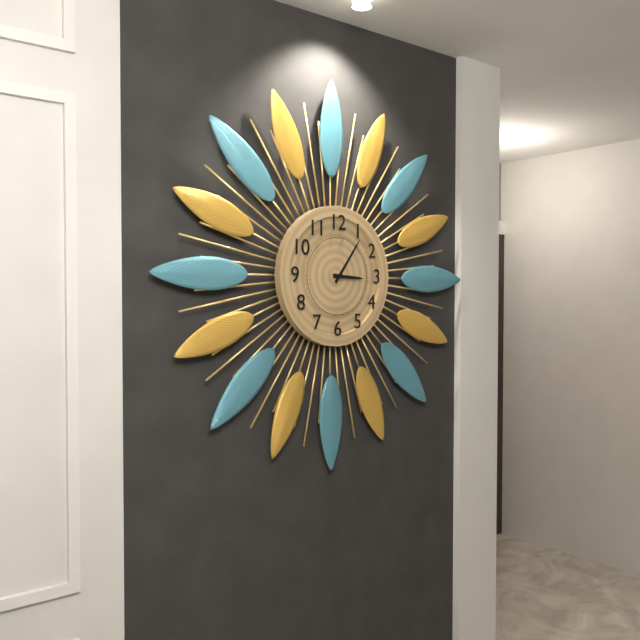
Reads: 3.06
